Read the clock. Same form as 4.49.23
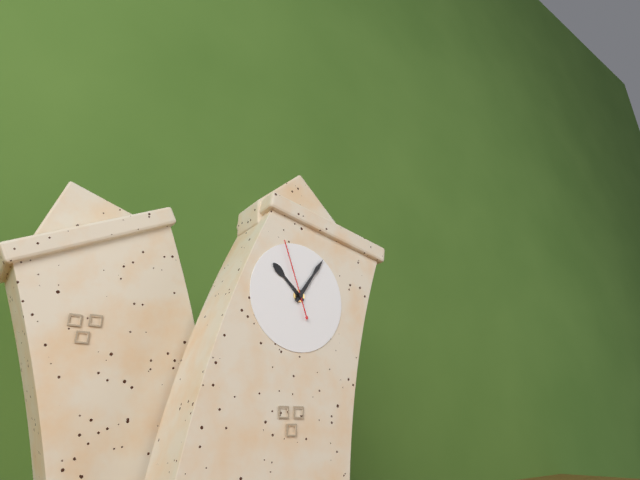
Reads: 10.04.55
